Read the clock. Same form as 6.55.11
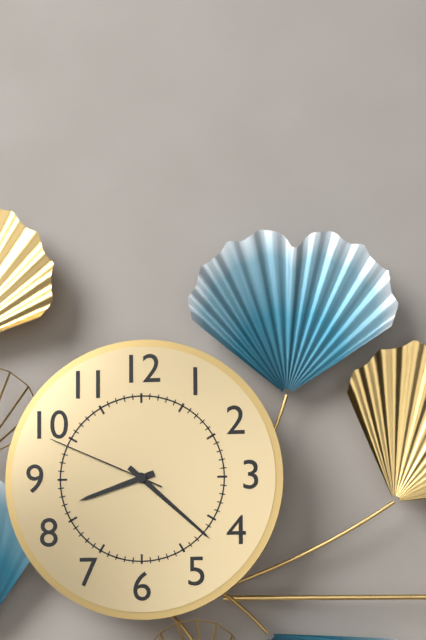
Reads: 8.22.49
